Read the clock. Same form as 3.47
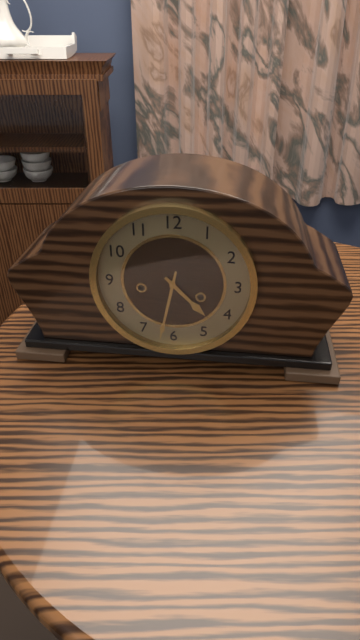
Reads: 4.32
